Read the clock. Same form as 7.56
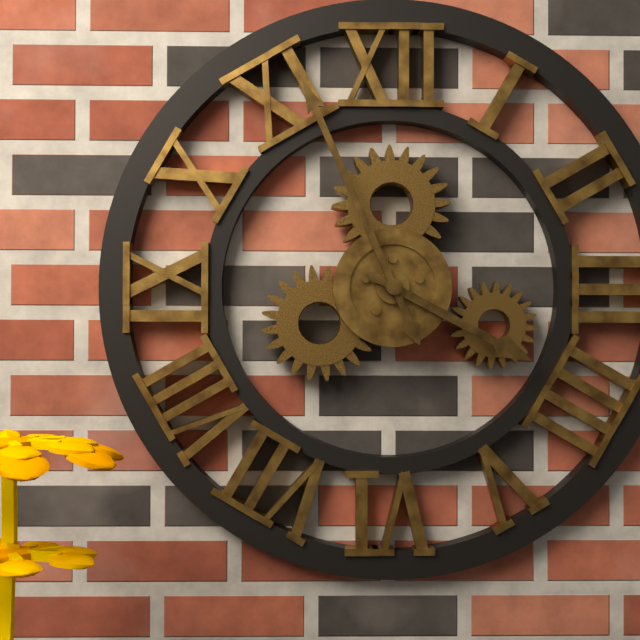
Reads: 3.56
